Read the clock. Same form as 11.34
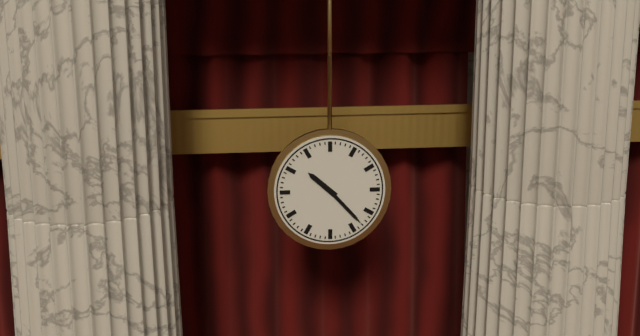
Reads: 10.23
